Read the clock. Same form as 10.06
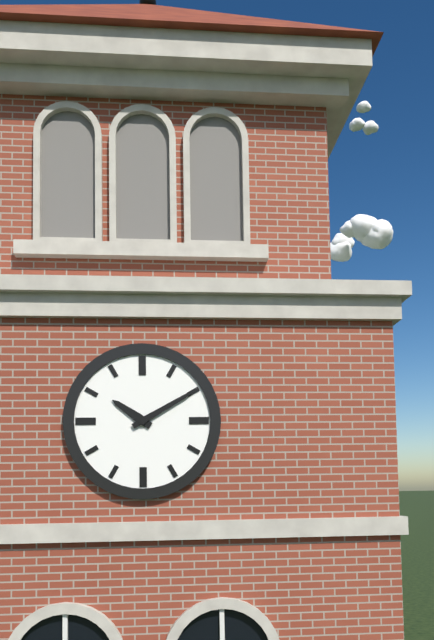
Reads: 10.10
